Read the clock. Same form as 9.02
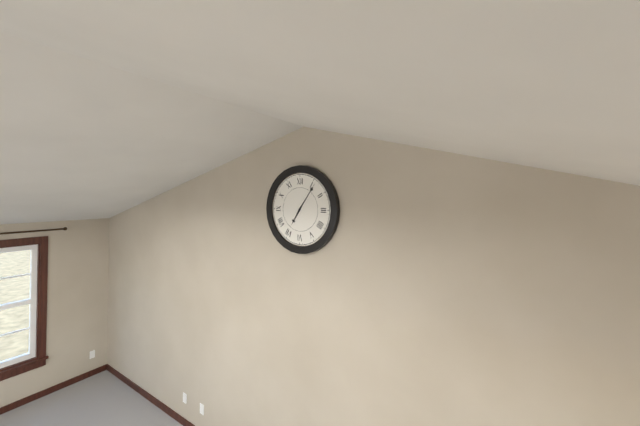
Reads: 7.06
